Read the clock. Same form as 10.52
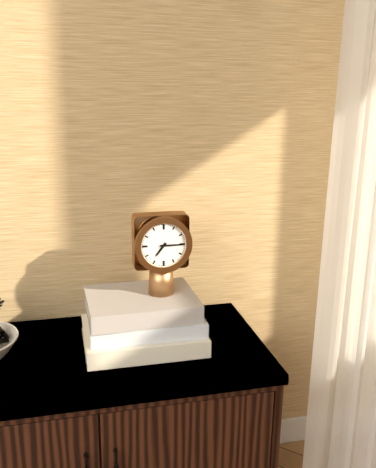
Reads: 7.15
